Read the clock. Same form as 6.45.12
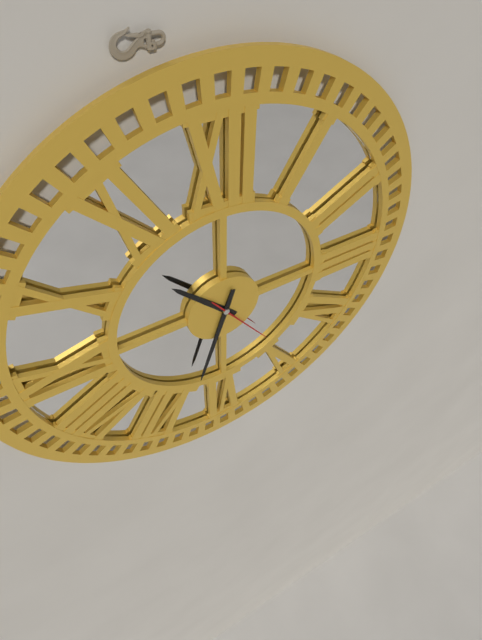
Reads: 10.33.24
